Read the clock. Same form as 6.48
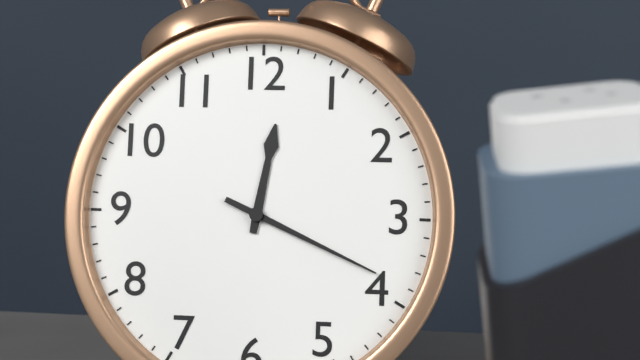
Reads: 12.19
